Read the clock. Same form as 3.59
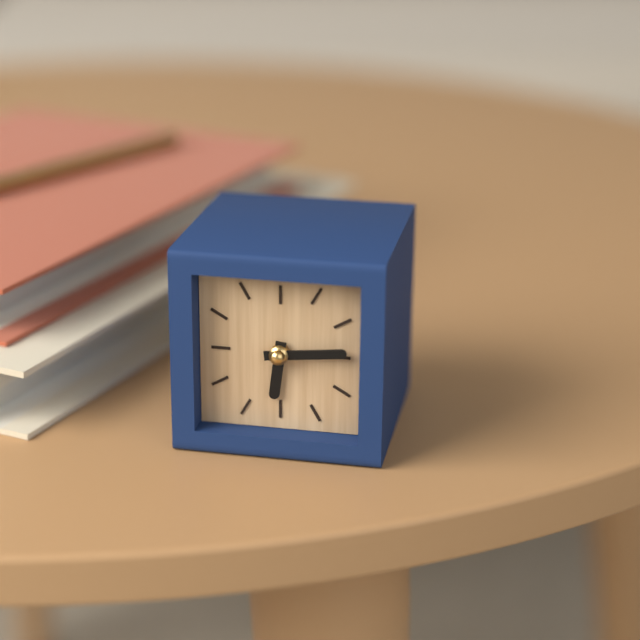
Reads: 6.14
